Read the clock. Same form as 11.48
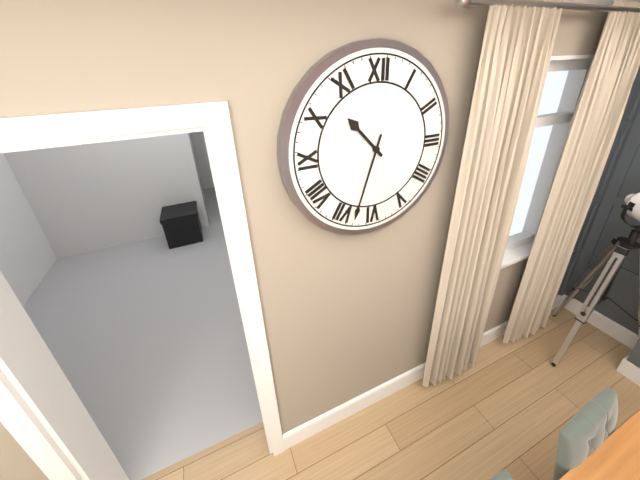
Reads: 10.33
